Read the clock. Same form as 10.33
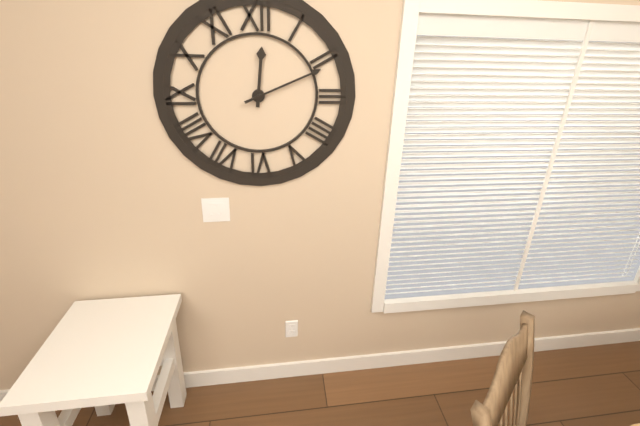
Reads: 12.11
